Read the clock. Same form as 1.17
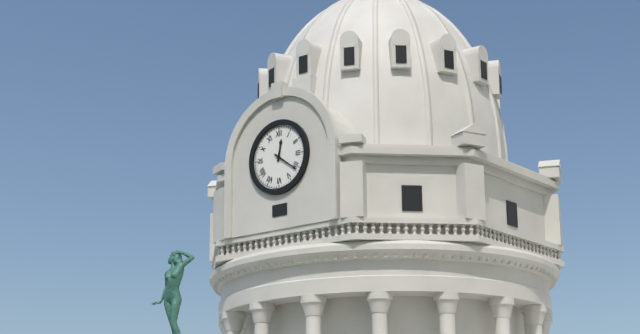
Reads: 12.21
